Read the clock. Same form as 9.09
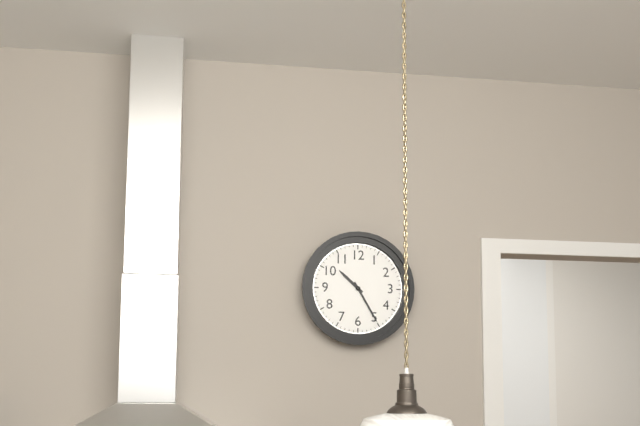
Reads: 10.25
